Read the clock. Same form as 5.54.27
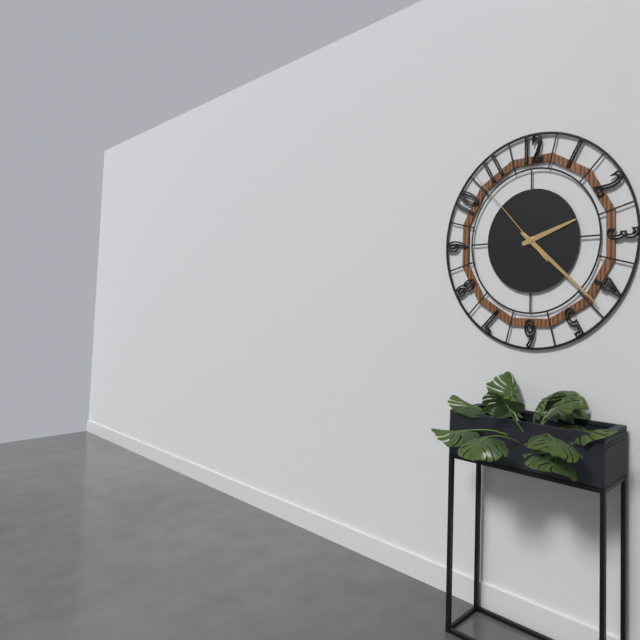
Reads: 2.22.53
